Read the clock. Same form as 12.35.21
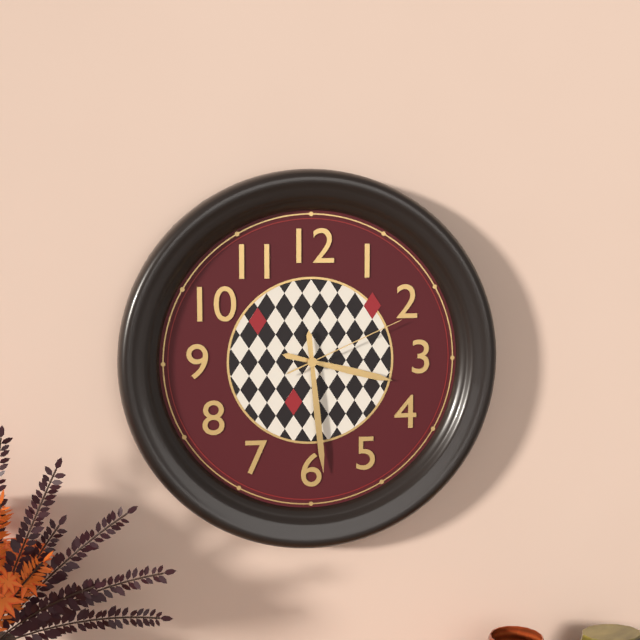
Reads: 3.29.11
